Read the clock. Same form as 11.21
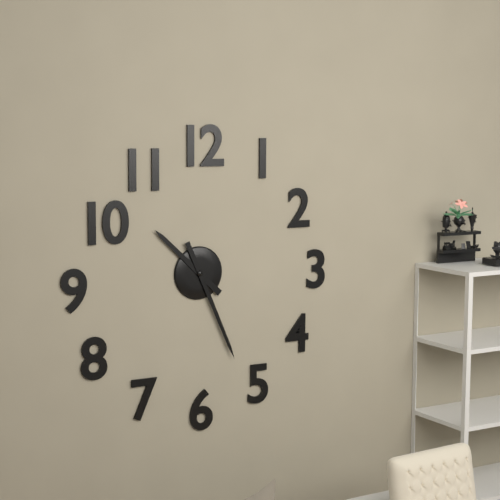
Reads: 10.26
